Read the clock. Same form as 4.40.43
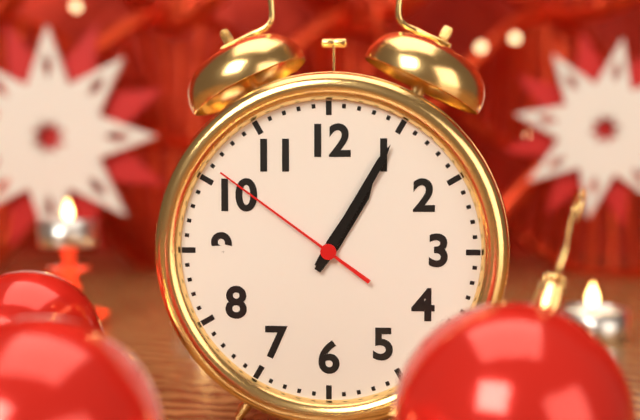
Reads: 1.05.51
